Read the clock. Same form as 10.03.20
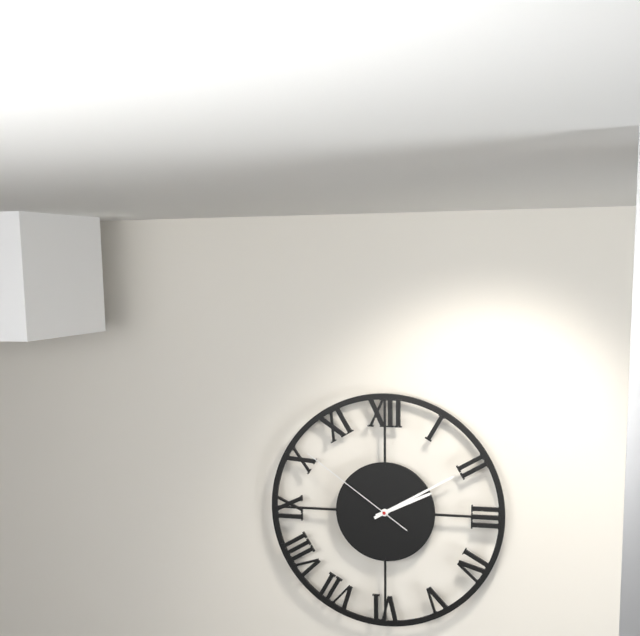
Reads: 2.10.51
